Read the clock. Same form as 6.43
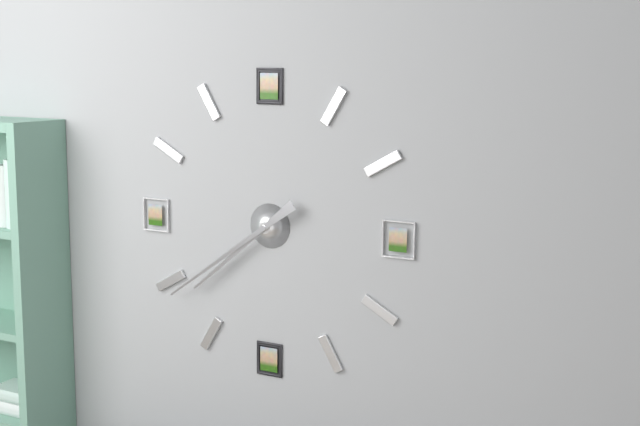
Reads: 7.39
